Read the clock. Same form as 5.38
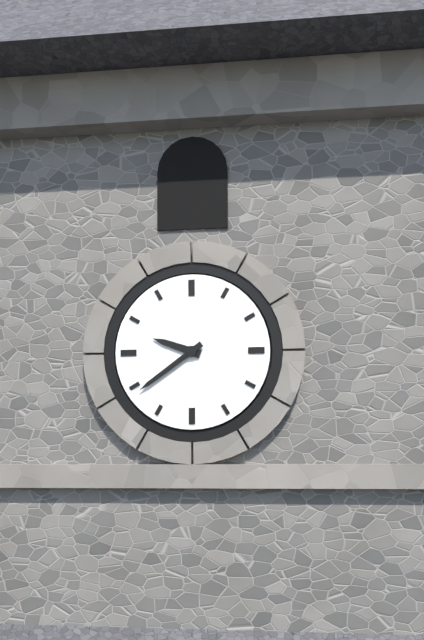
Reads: 9.39
